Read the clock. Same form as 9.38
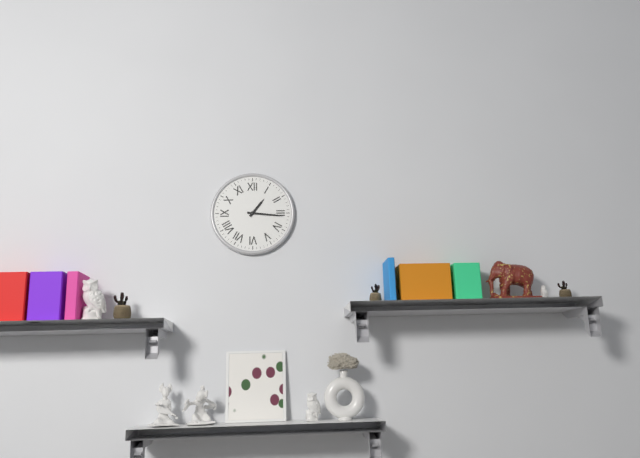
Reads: 1.16
